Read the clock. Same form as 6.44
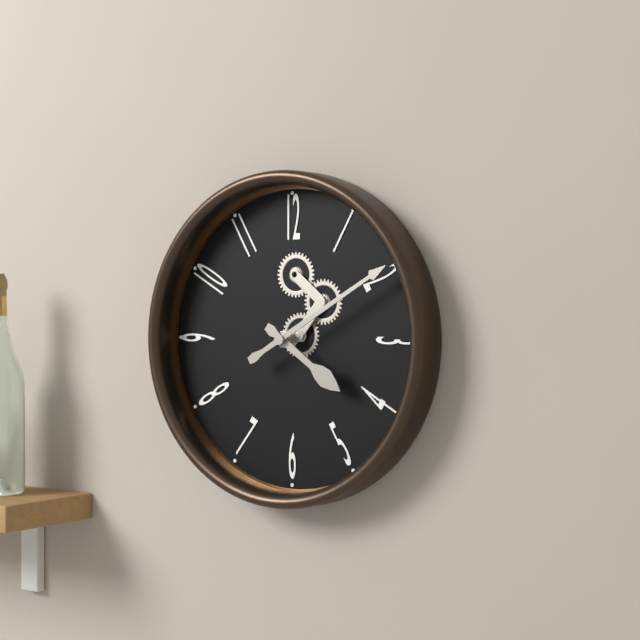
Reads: 4.10
